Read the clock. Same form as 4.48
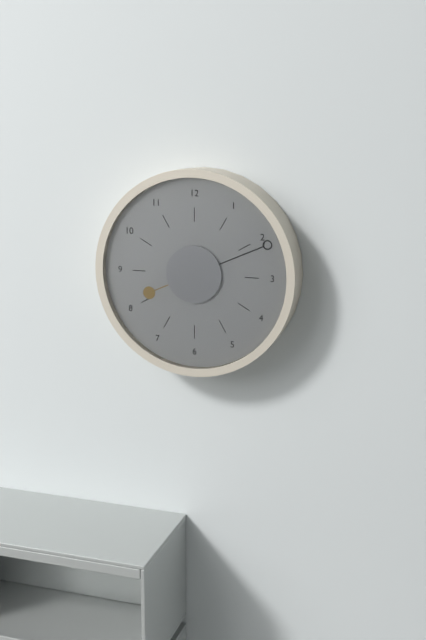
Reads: 8.11
